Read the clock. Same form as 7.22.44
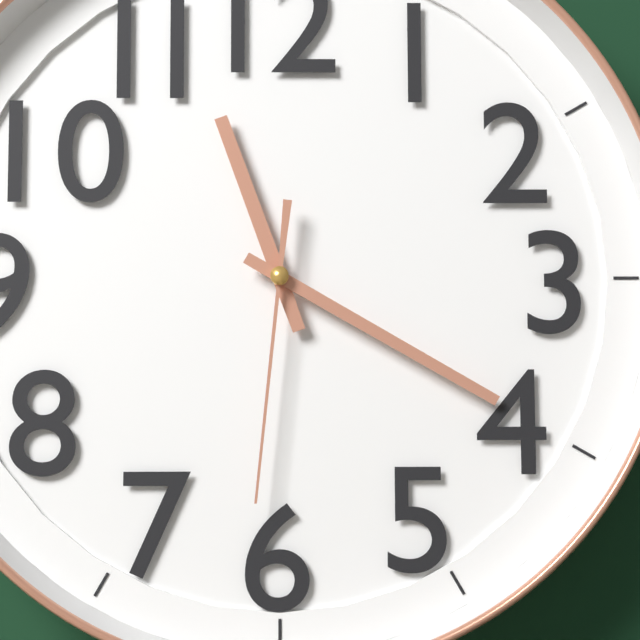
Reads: 11.20.31
